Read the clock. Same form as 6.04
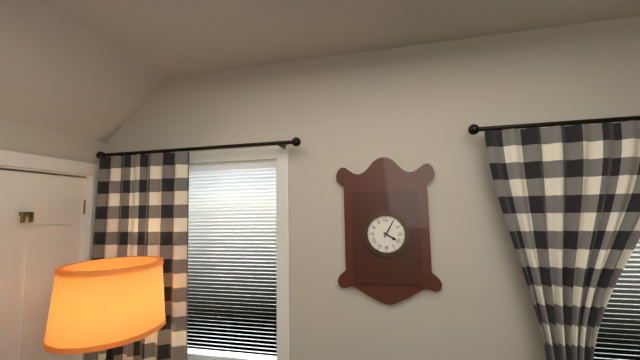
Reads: 4.05
